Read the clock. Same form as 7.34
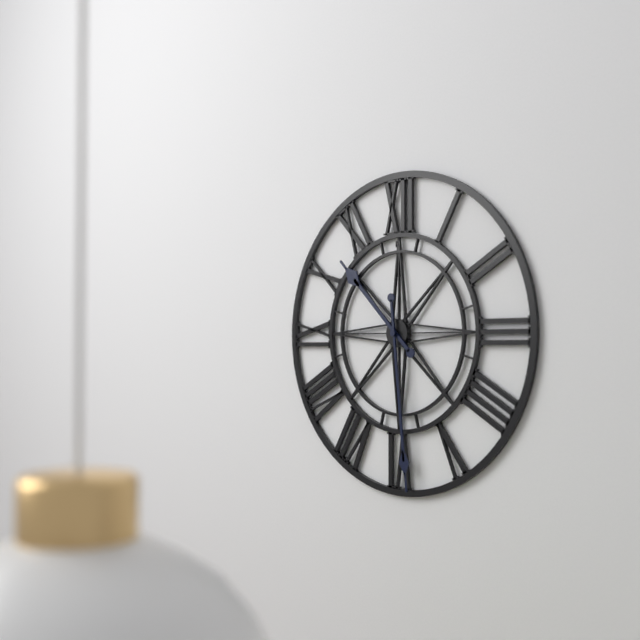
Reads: 10.29
